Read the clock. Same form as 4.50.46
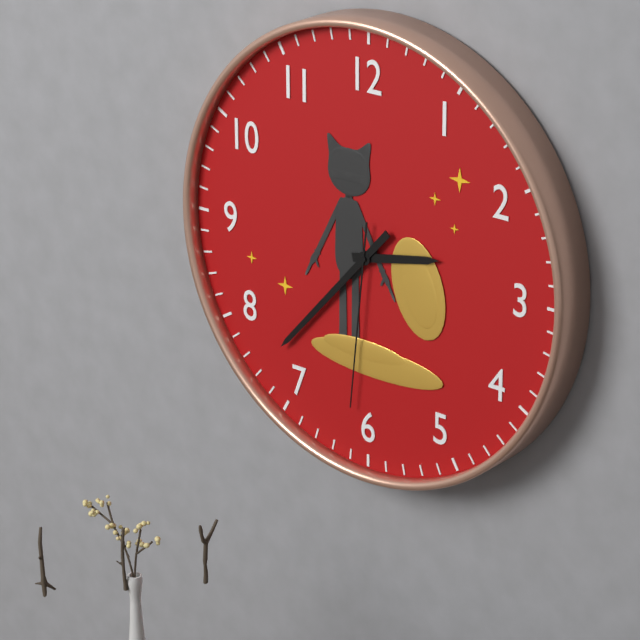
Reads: 2.37.31
